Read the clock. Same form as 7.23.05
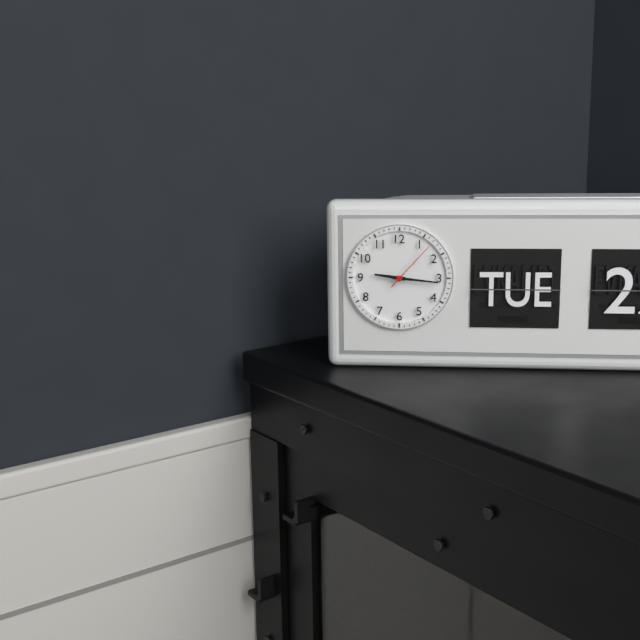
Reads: 9.16.07
